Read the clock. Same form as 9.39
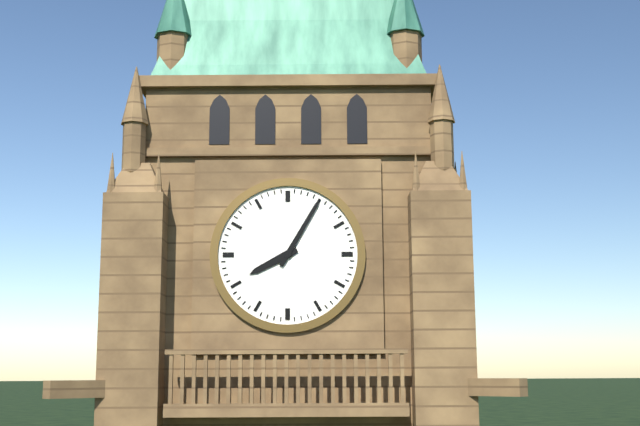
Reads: 8.05
